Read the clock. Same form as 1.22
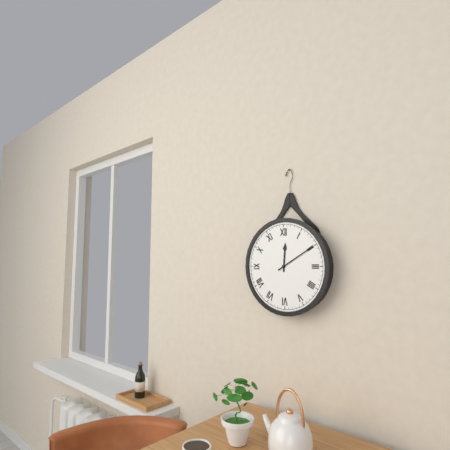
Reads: 12.10
